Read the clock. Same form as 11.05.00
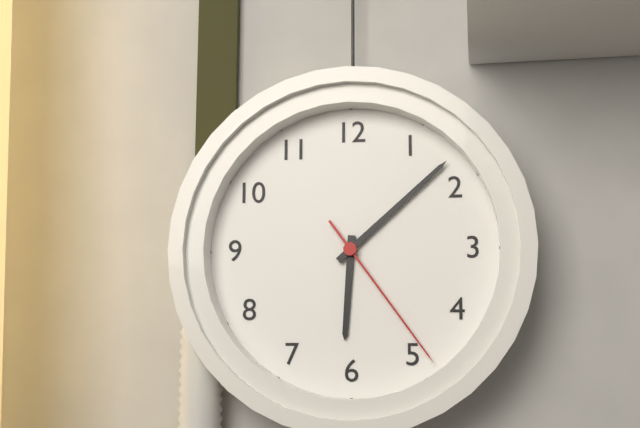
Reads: 6.08.24
